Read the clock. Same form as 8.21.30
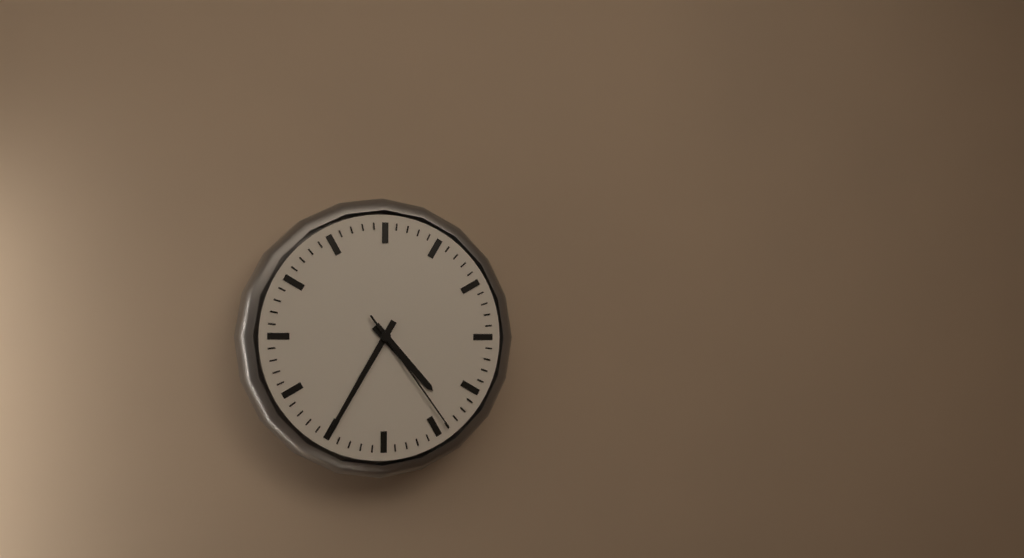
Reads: 4.35.24
